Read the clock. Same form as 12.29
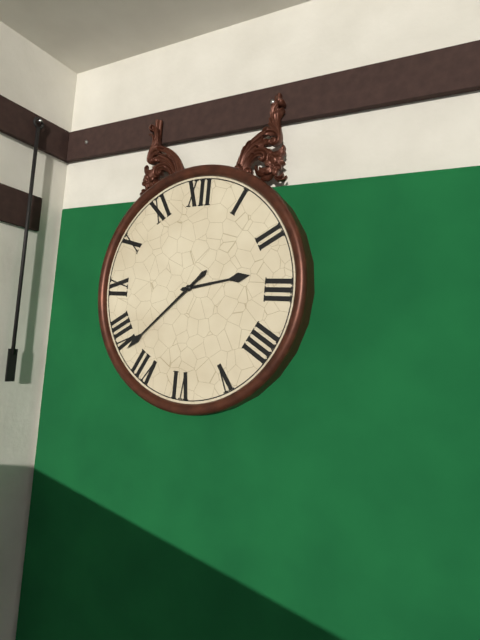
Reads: 2.38
